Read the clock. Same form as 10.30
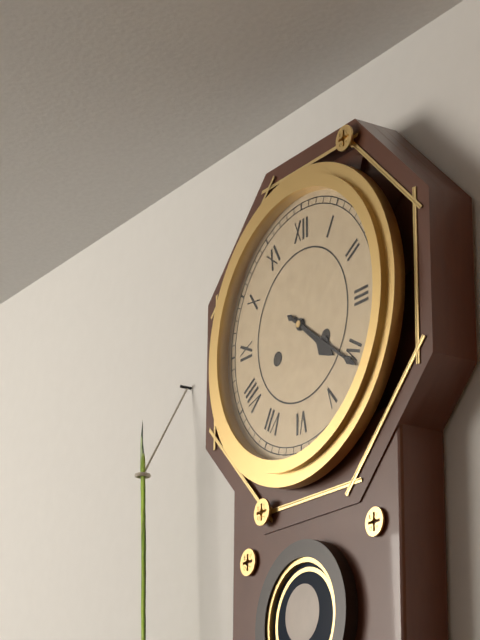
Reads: 4.21
